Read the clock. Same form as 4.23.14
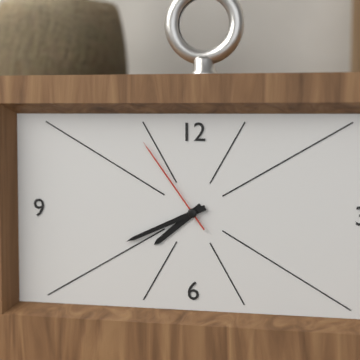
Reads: 7.41.54
